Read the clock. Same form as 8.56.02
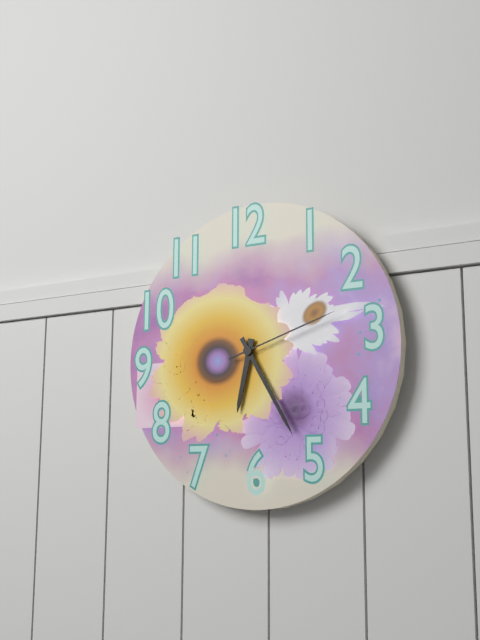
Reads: 6.25.12
